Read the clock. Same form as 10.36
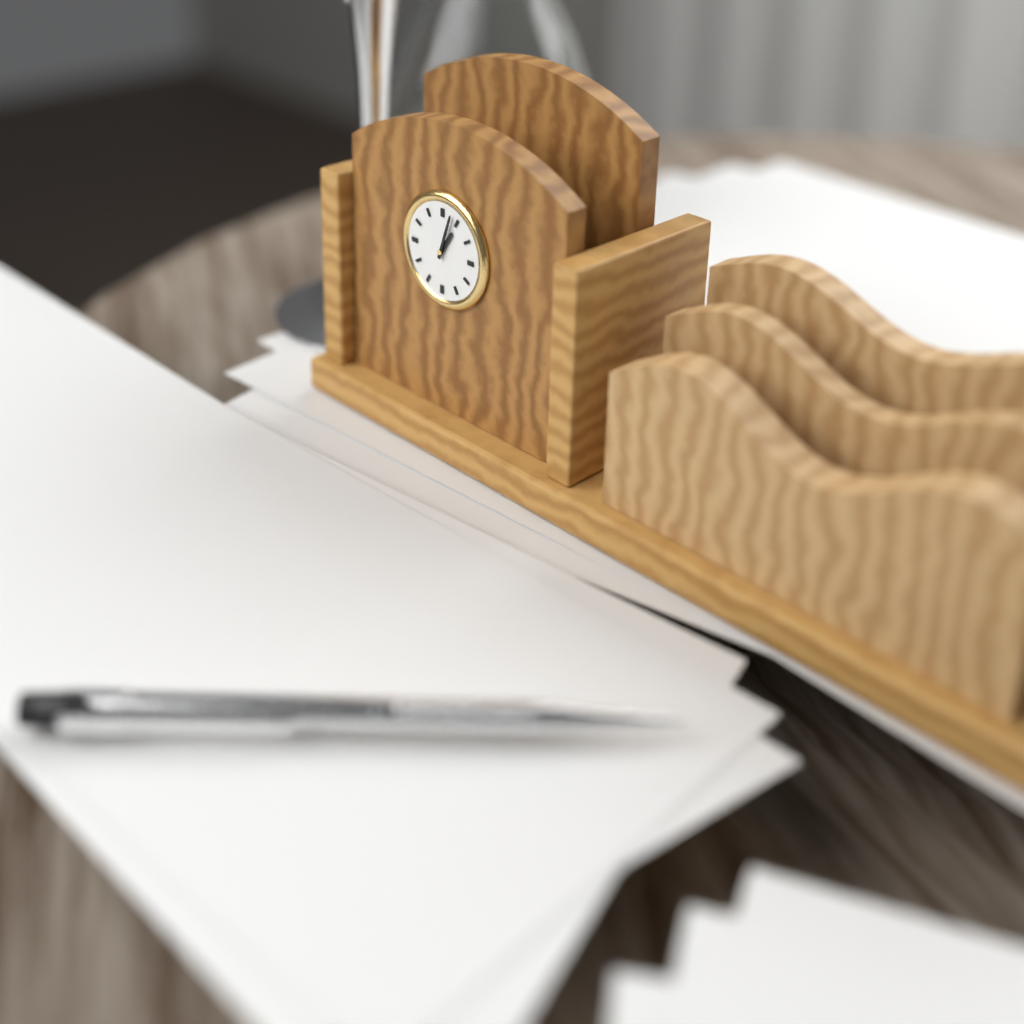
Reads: 1.03
